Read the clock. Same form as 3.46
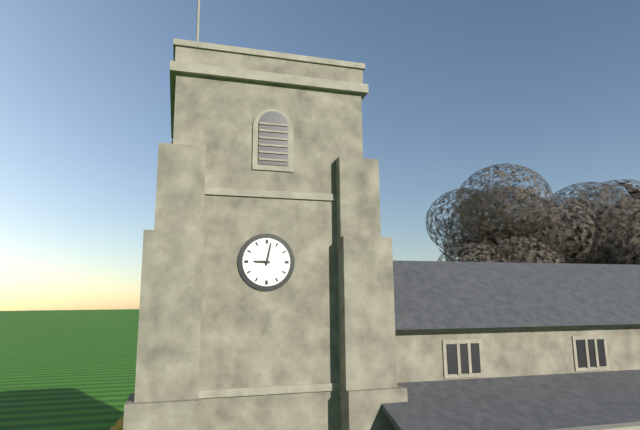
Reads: 9.02
